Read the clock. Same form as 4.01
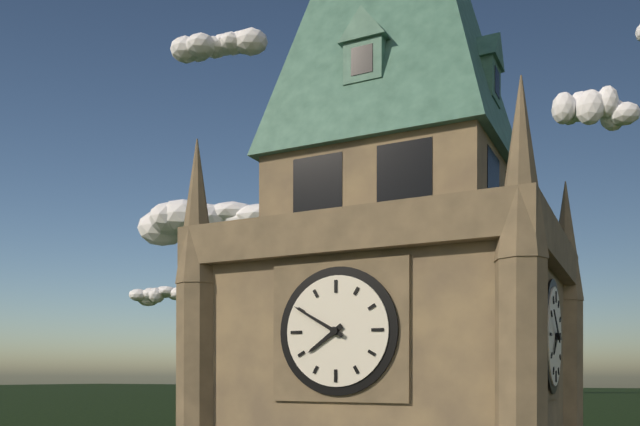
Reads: 7.50
